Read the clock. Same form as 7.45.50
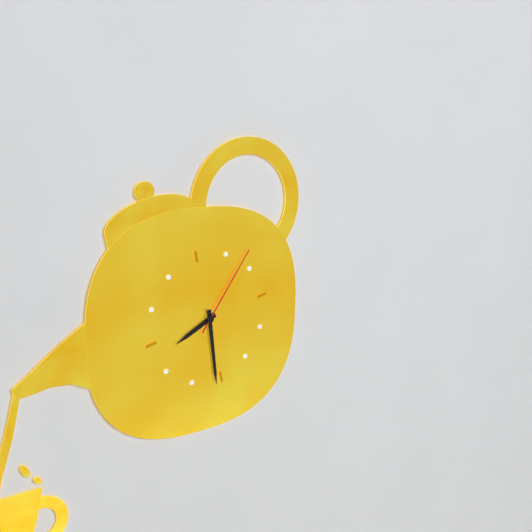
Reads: 8.31.08
